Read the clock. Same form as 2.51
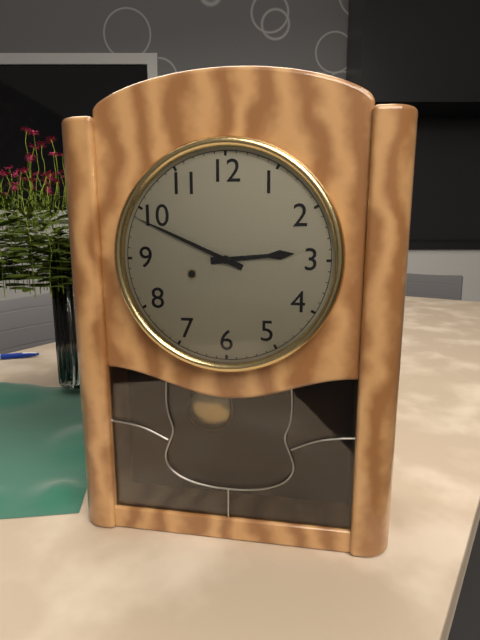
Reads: 2.49
